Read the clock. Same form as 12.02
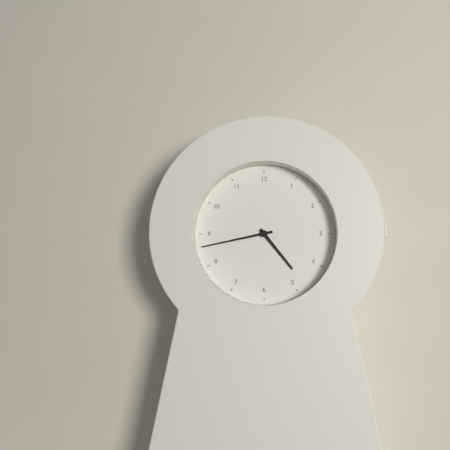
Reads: 4.43
